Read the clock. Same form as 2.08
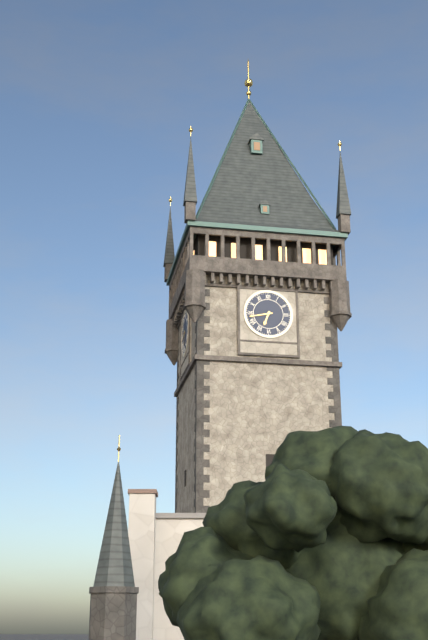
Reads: 6.43
